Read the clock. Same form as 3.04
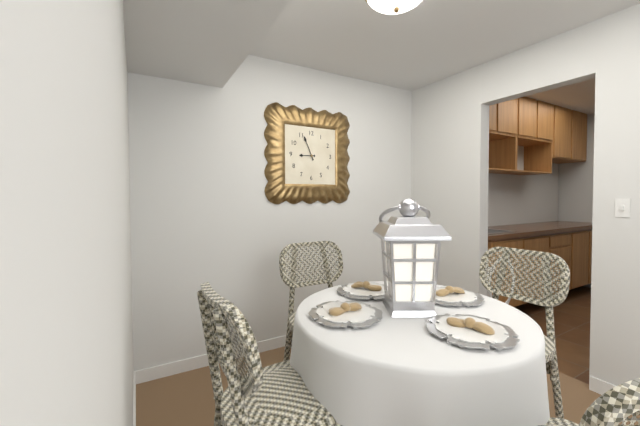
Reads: 8.56
